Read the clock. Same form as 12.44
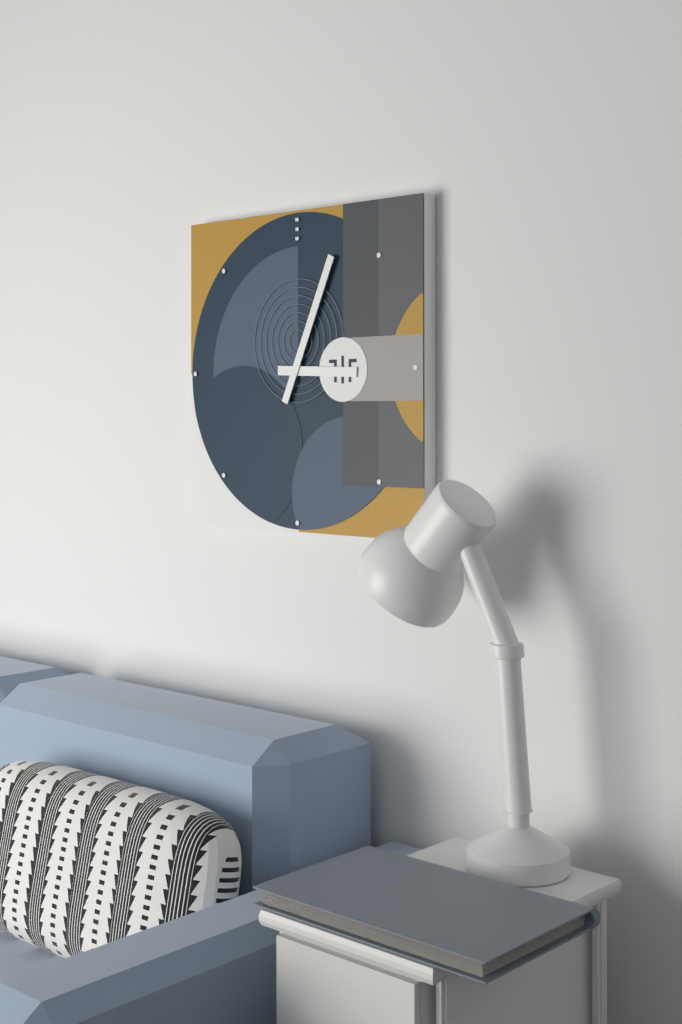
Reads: 3.04
